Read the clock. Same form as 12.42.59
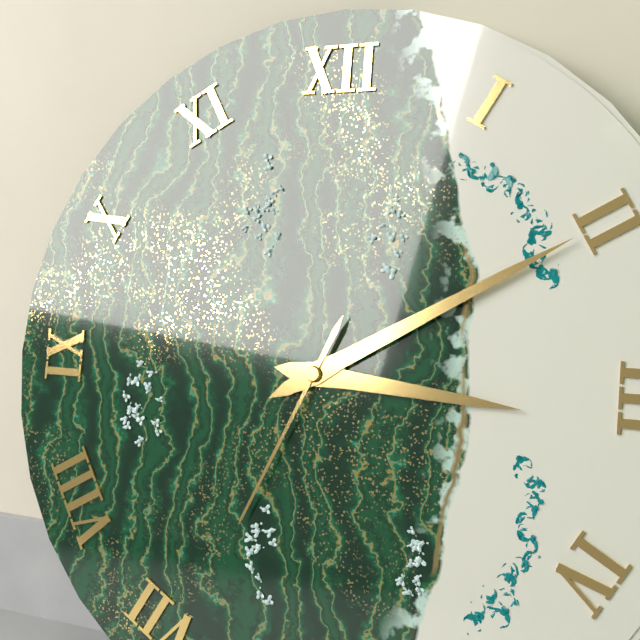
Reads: 3.10.34
